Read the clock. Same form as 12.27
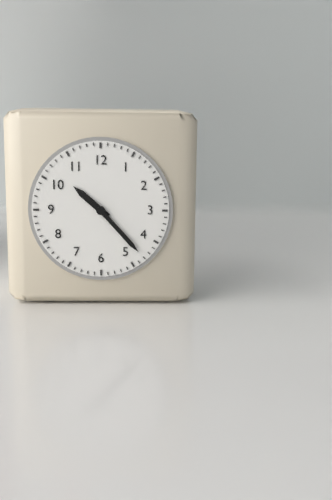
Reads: 10.23
